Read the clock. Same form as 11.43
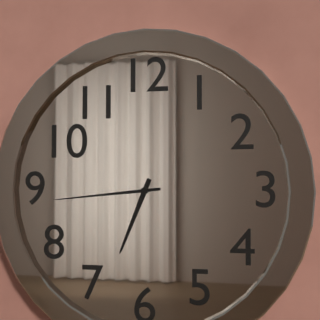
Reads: 6.44
